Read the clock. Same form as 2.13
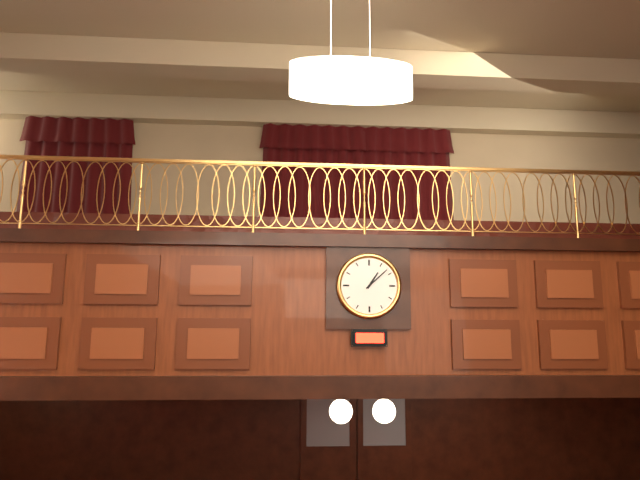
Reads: 1.08
